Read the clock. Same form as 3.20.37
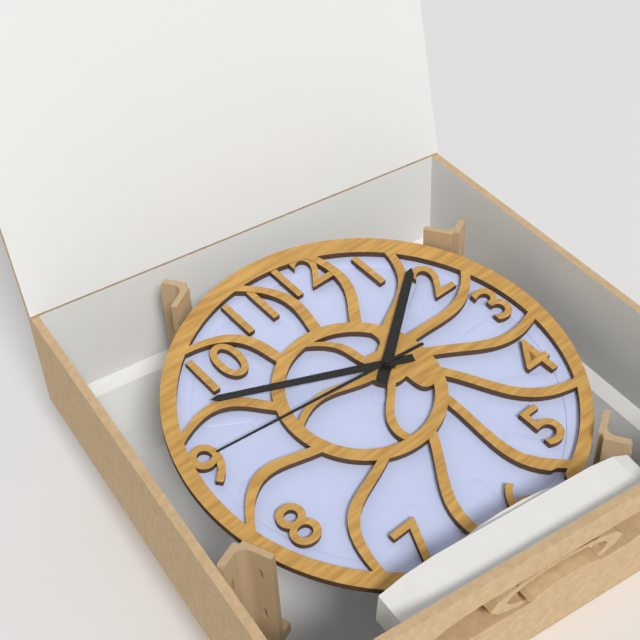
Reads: 1.49.46
